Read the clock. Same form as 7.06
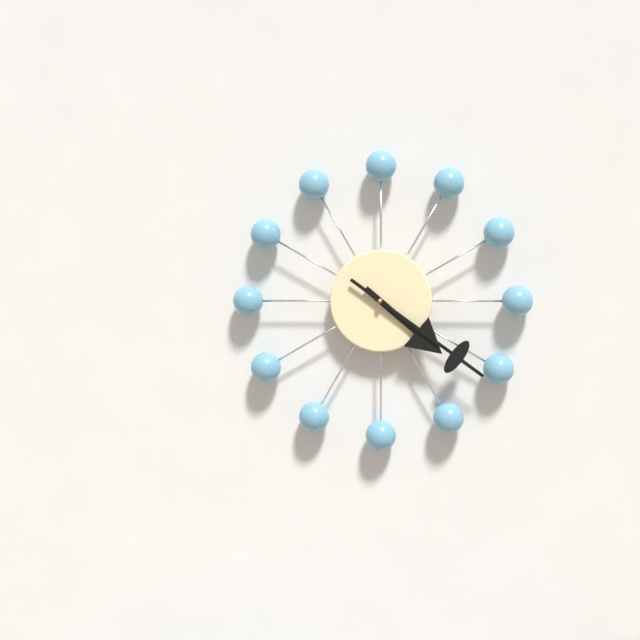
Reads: 4.21
